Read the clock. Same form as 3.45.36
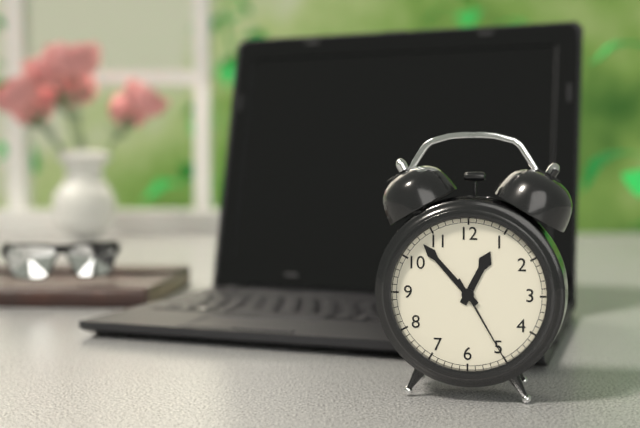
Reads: 12.53.25
